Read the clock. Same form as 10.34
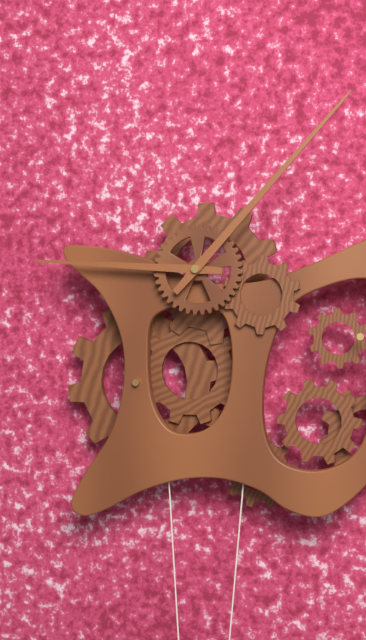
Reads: 9.07
